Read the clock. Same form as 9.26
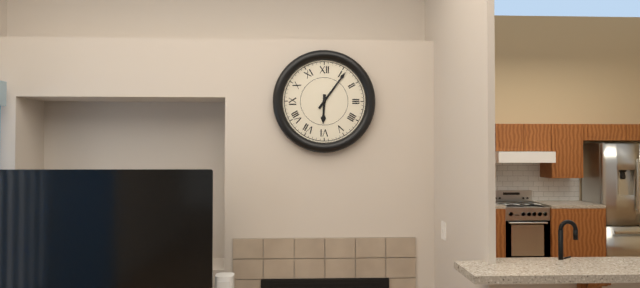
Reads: 6.06
